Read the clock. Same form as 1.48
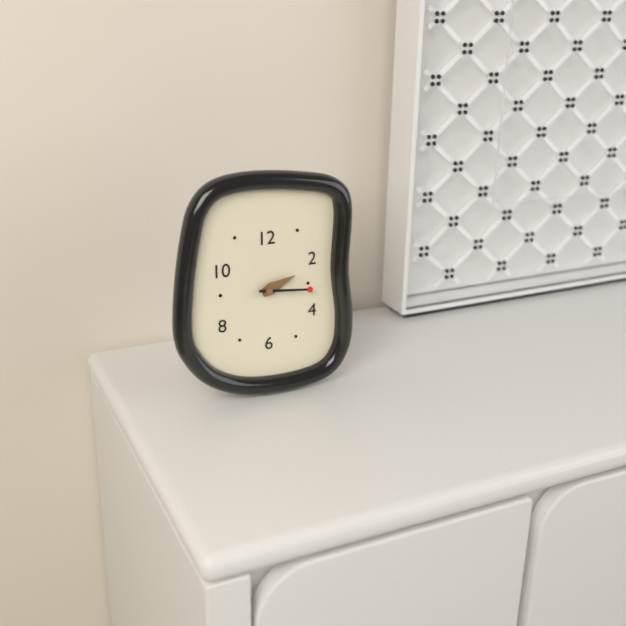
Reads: 2.16
